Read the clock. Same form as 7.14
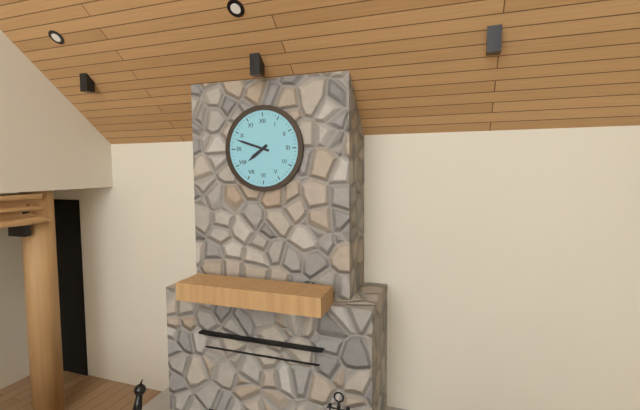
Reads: 7.48
